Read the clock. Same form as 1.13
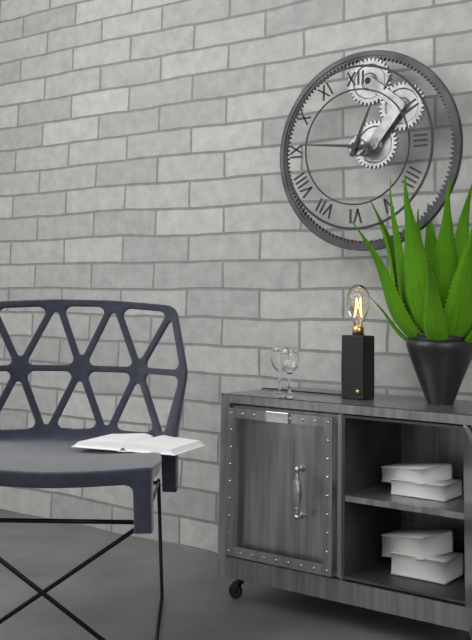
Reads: 12.46
